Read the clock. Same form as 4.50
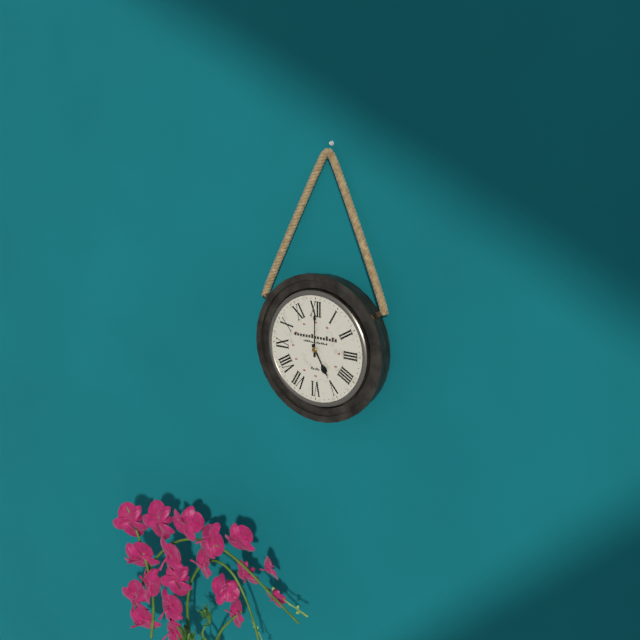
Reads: 5.00
